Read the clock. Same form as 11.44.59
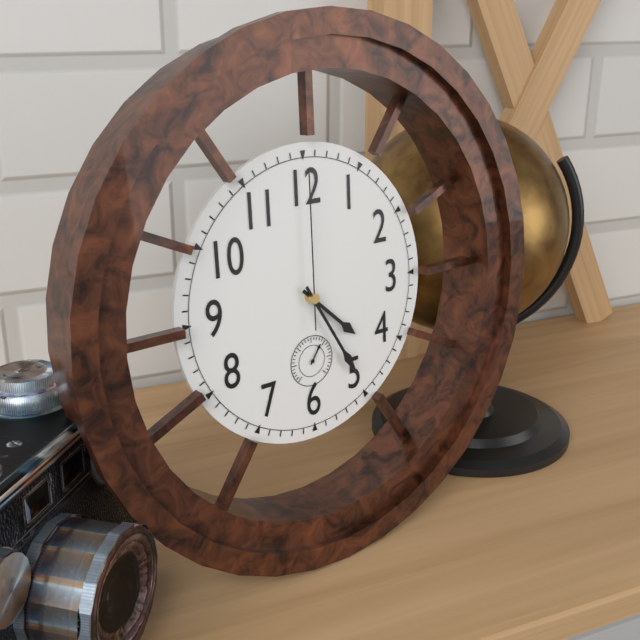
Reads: 4.25.00
